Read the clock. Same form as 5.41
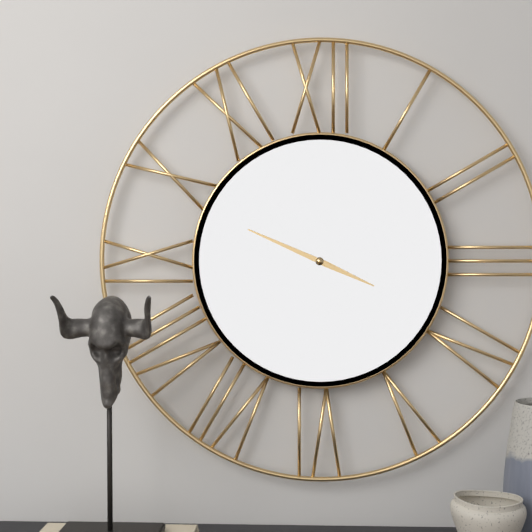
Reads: 3.49
